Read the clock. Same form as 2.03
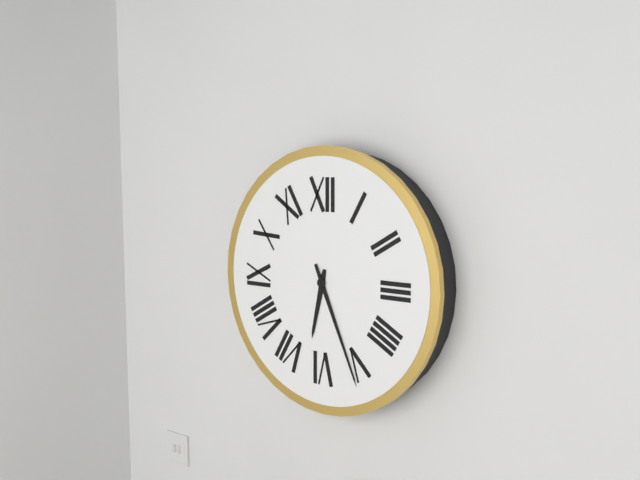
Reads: 6.26
